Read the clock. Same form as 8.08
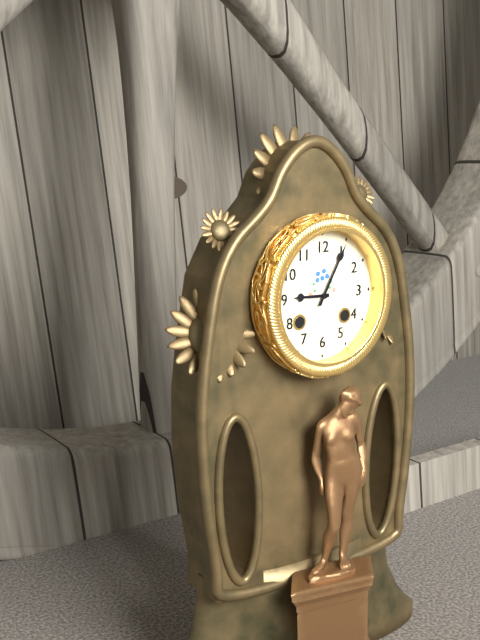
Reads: 9.05
